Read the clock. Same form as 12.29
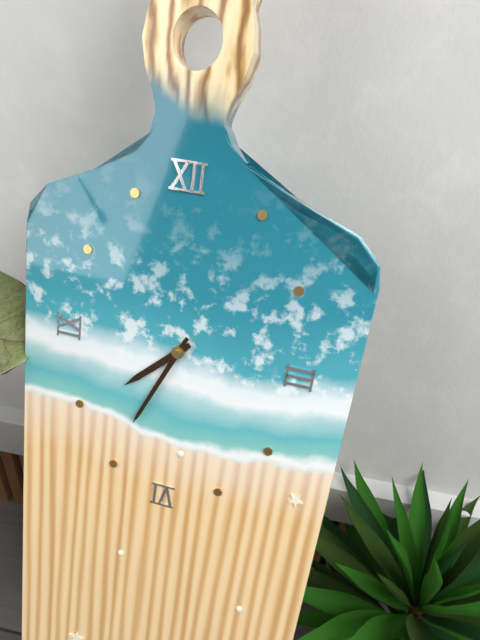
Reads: 7.34
